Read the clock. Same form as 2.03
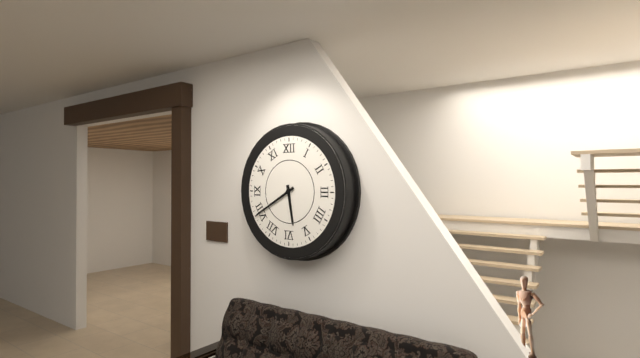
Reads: 5.40
